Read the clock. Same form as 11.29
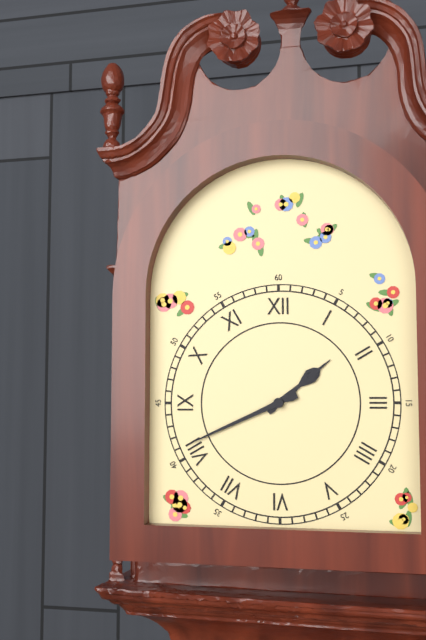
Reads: 1.41
